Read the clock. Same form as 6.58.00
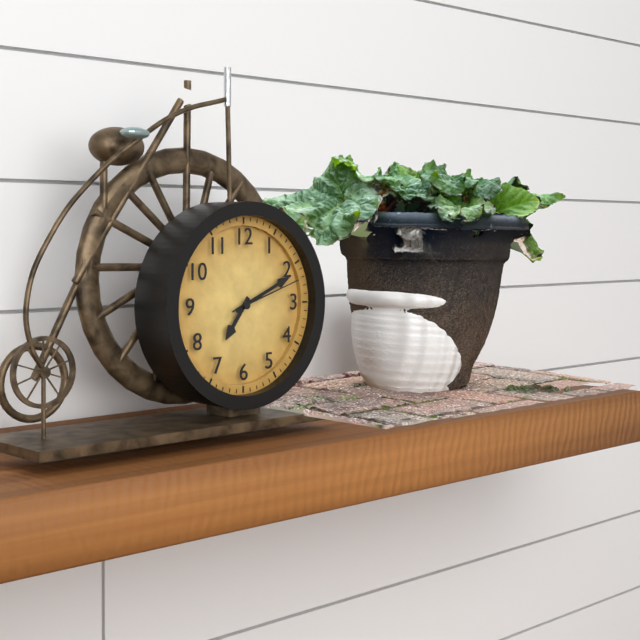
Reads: 7.11.12
